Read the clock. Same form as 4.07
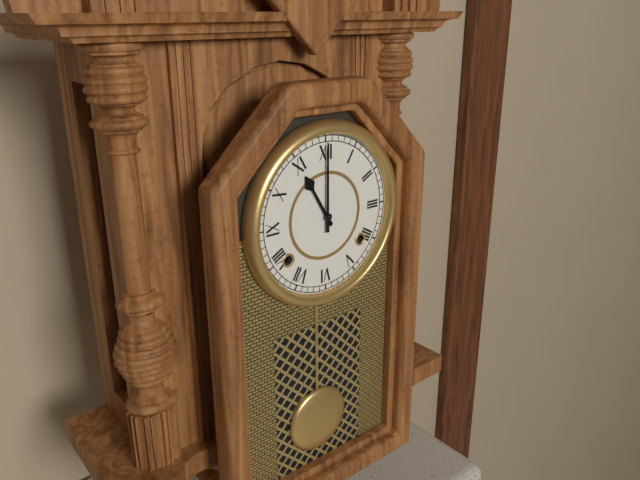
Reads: 11.00
